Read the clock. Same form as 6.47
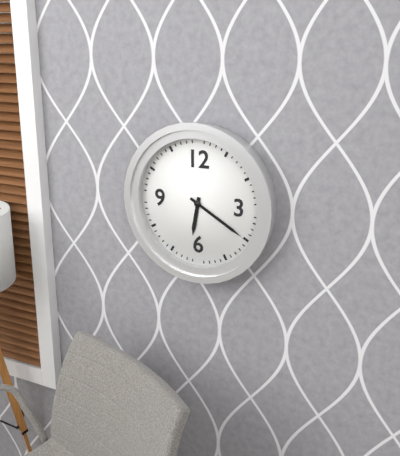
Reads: 6.20
